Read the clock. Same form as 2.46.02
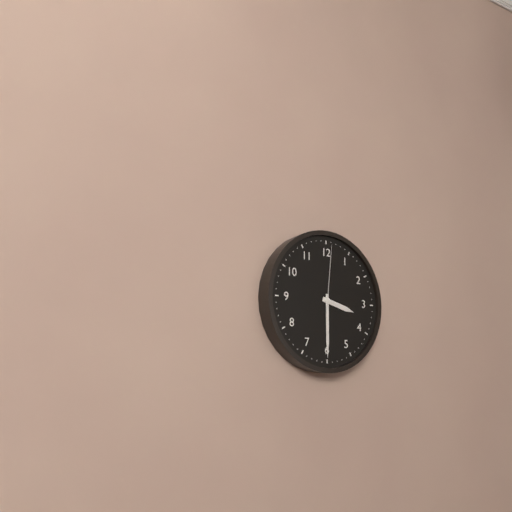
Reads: 3.30.01
